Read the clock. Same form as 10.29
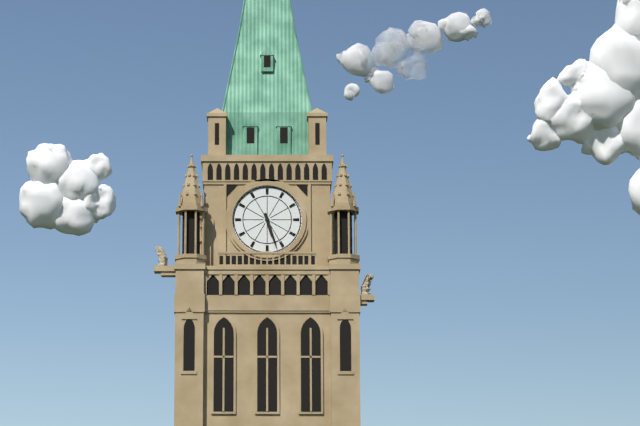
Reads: 5.27
